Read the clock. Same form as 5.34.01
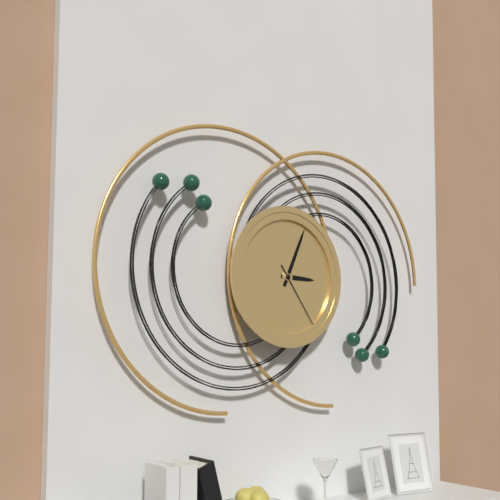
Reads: 3.04.24
